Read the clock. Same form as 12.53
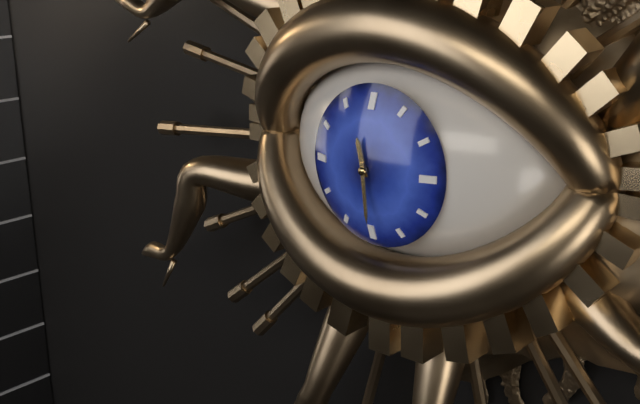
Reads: 11.29
